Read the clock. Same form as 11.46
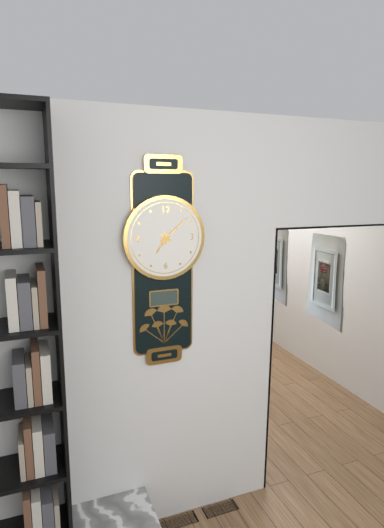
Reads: 7.08
